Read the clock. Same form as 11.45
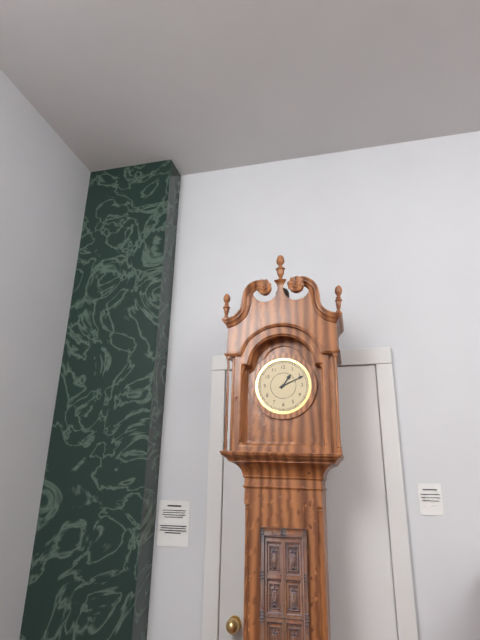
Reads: 1.11
